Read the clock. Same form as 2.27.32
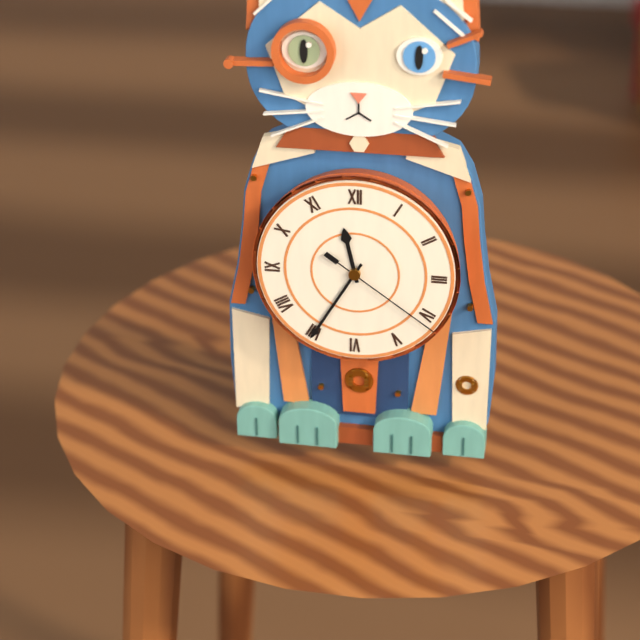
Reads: 11.35.21
